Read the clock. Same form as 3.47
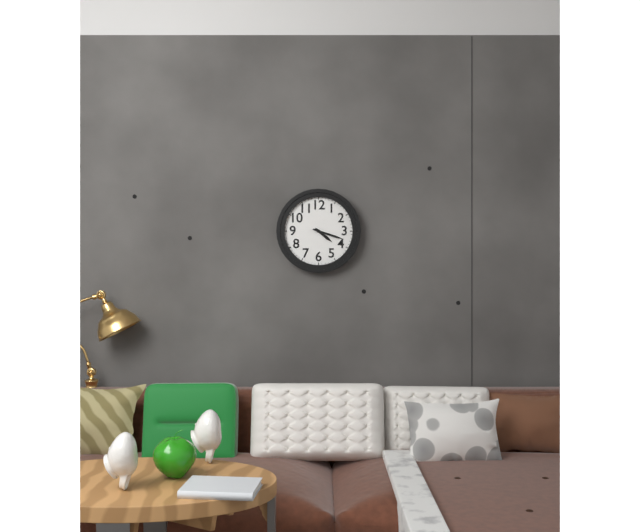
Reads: 4.18
